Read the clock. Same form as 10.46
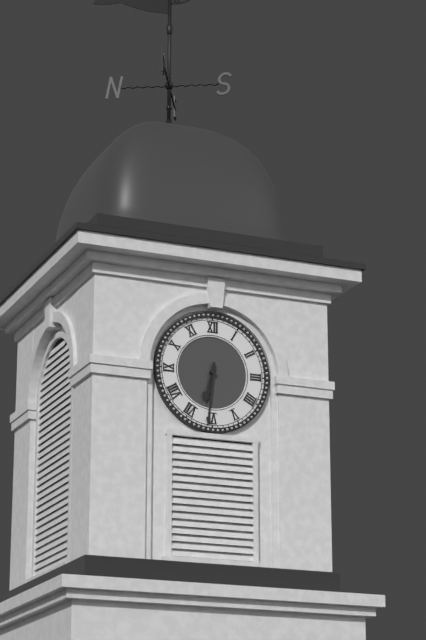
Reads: 6.31
